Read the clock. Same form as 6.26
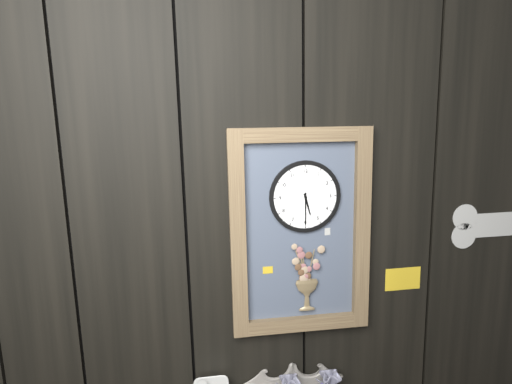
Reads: 5.30
